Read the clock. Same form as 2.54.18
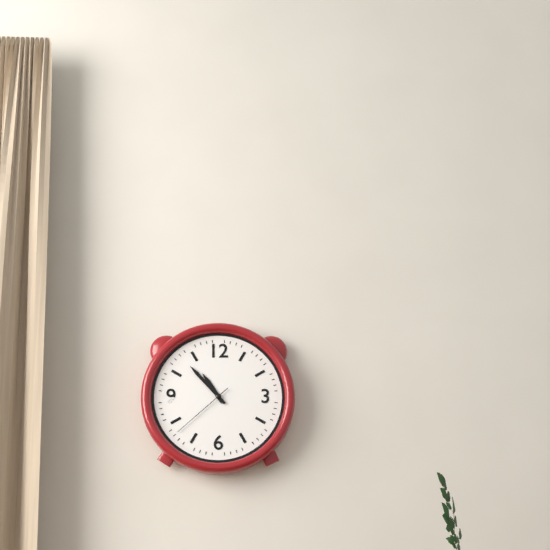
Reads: 10.53.38
